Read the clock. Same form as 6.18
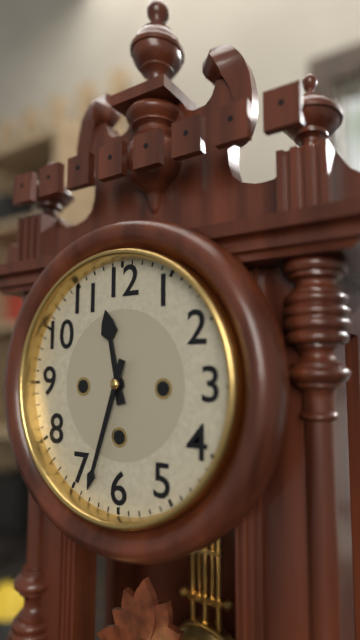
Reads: 11.33
